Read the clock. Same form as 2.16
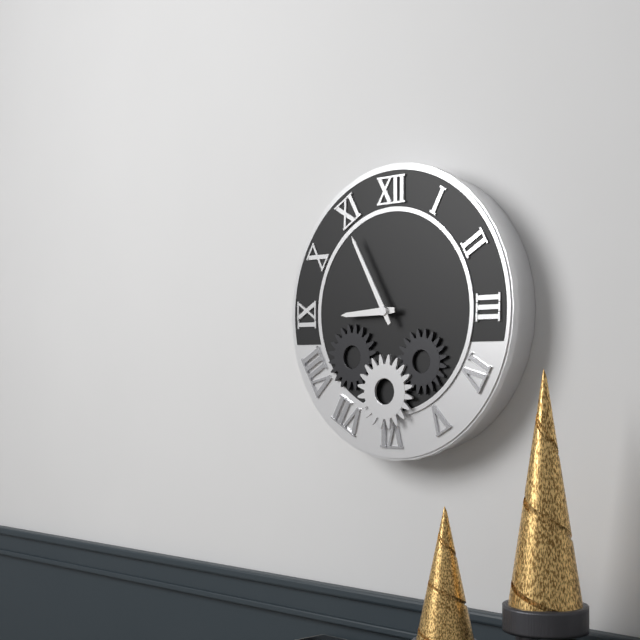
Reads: 8.55
